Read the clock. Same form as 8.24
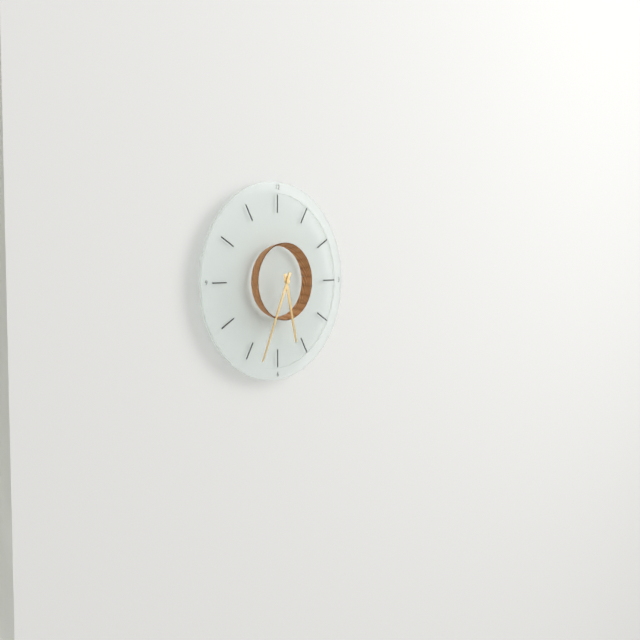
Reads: 5.34
